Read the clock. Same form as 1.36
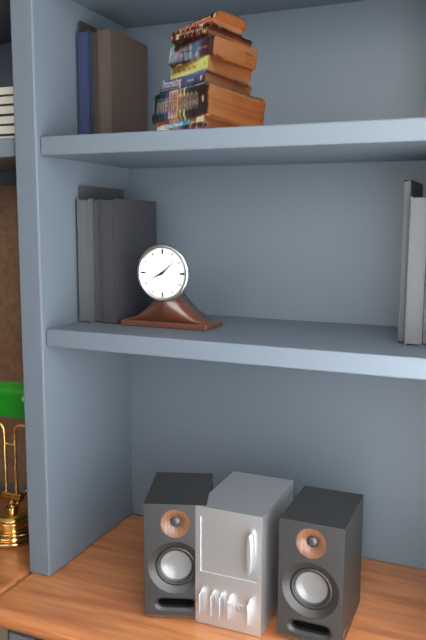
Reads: 8.08
